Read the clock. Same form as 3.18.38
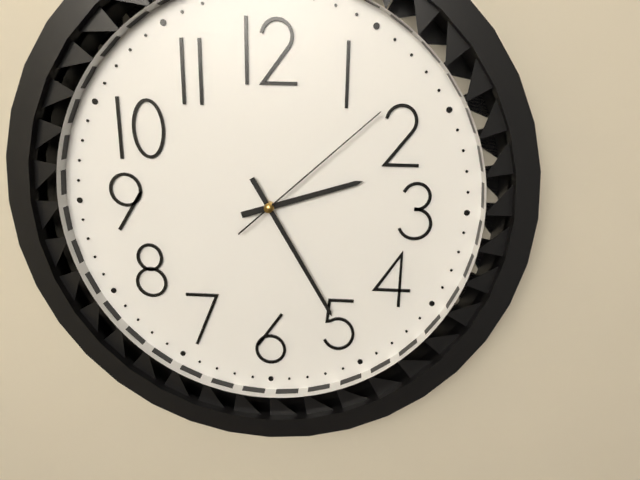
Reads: 2.25.08
